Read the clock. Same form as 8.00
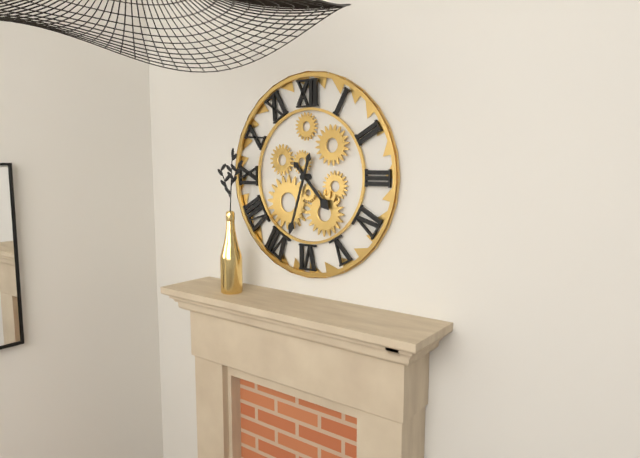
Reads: 4.33
